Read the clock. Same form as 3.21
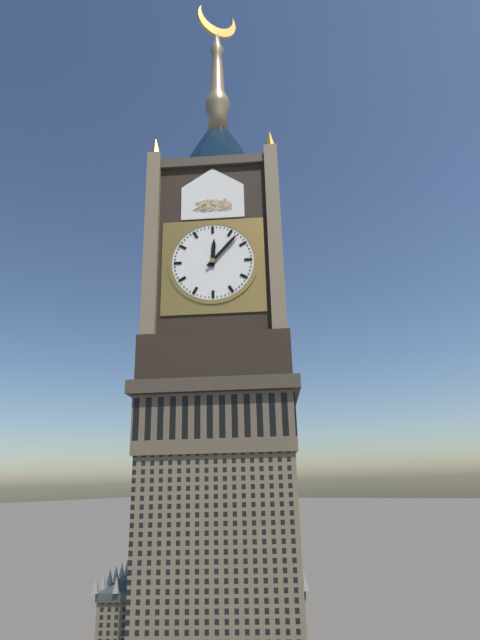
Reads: 12.07
